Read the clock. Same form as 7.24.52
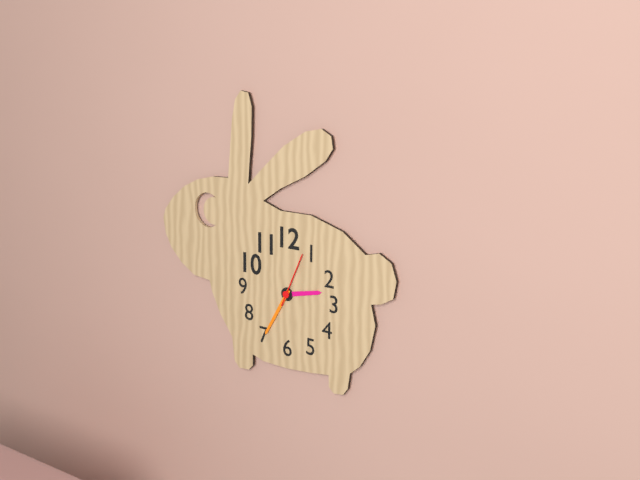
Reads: 2.35.04
